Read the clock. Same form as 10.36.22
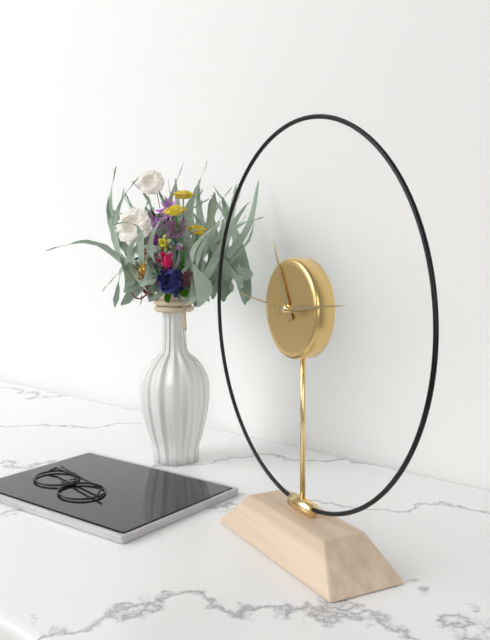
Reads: 11.14.46
